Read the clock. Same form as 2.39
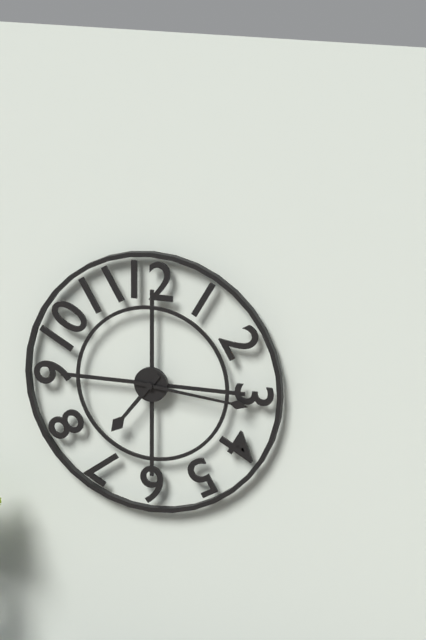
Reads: 7.16
